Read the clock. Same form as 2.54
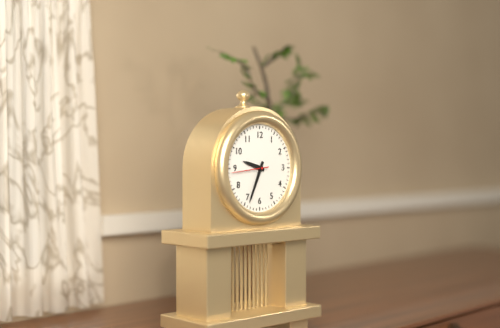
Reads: 9.34
